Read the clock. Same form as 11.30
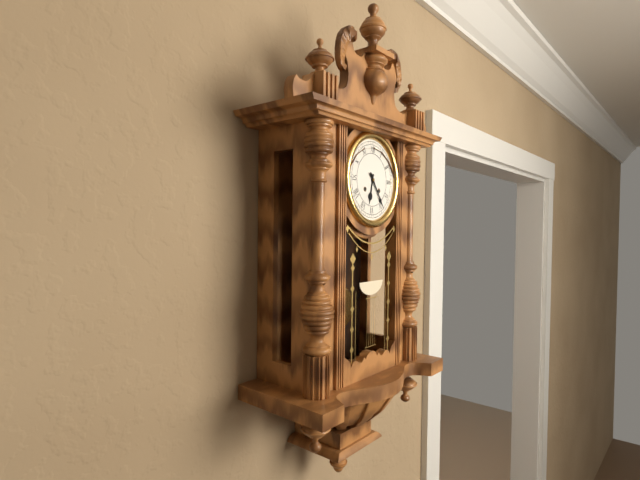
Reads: 6.24
